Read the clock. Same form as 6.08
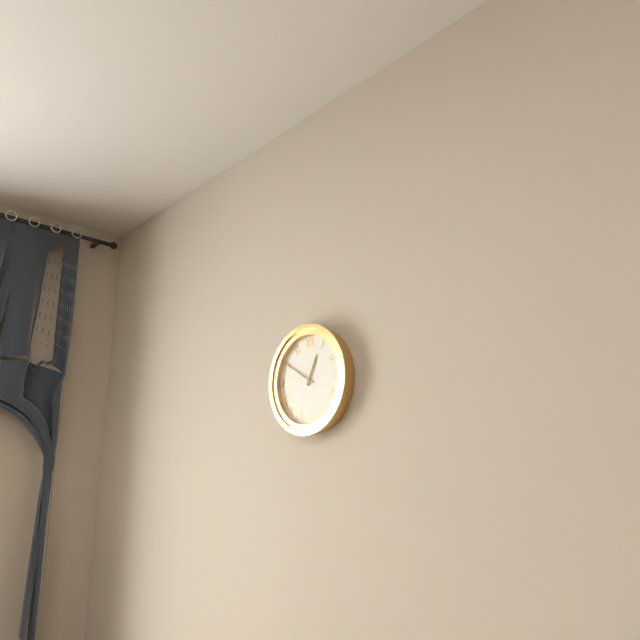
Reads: 12.50
